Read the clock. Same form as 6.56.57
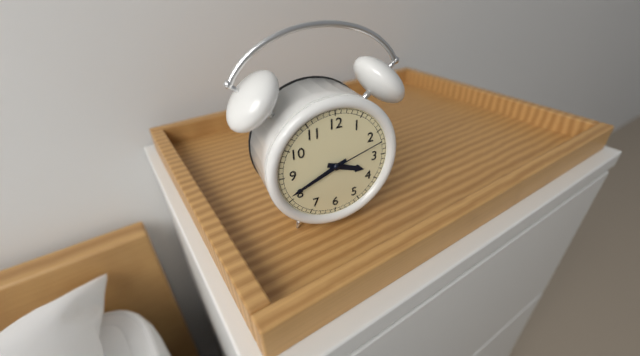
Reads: 3.41.12
